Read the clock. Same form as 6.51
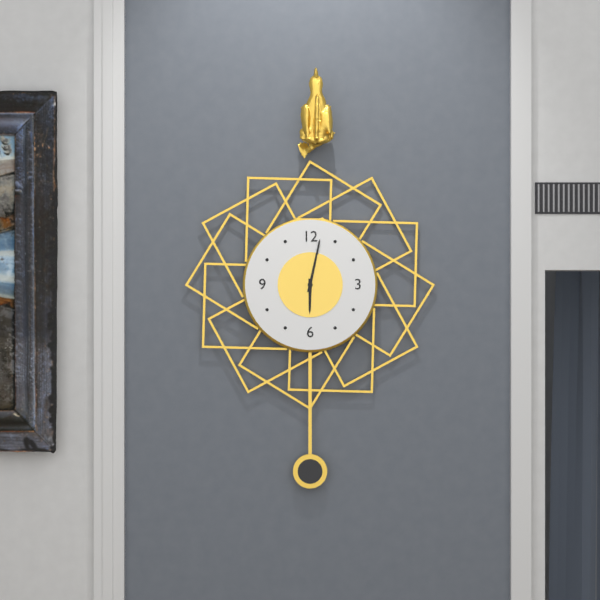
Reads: 6.02
